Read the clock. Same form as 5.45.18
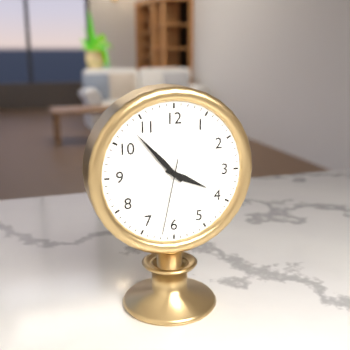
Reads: 3.53.32
